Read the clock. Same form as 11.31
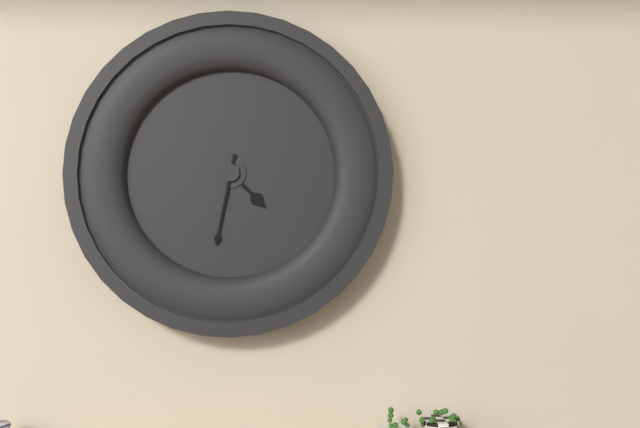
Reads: 4.32
